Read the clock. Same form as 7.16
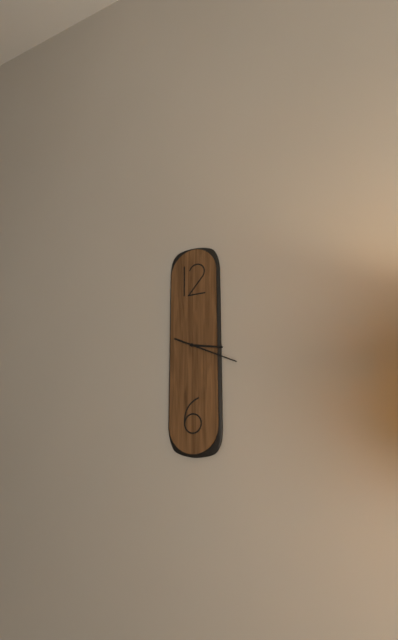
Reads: 3.19
